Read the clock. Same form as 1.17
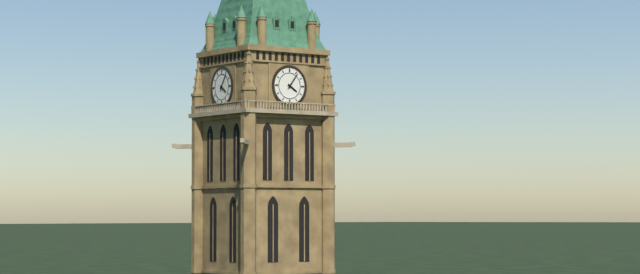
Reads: 4.06
